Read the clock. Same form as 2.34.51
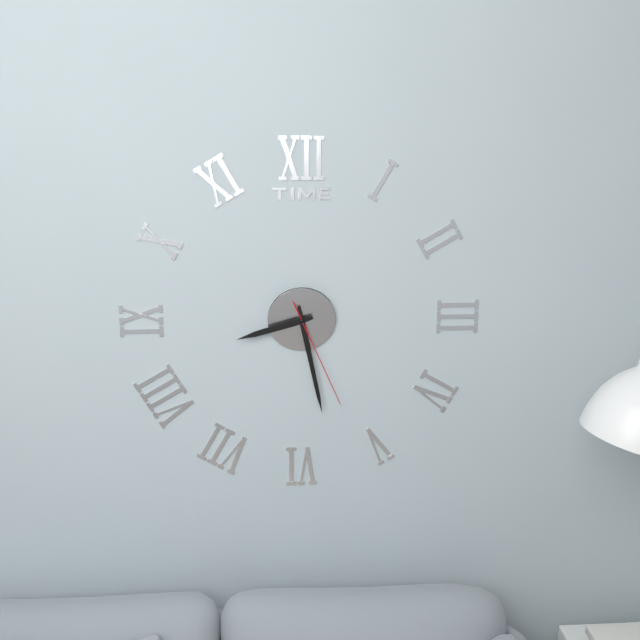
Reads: 8.28.26
